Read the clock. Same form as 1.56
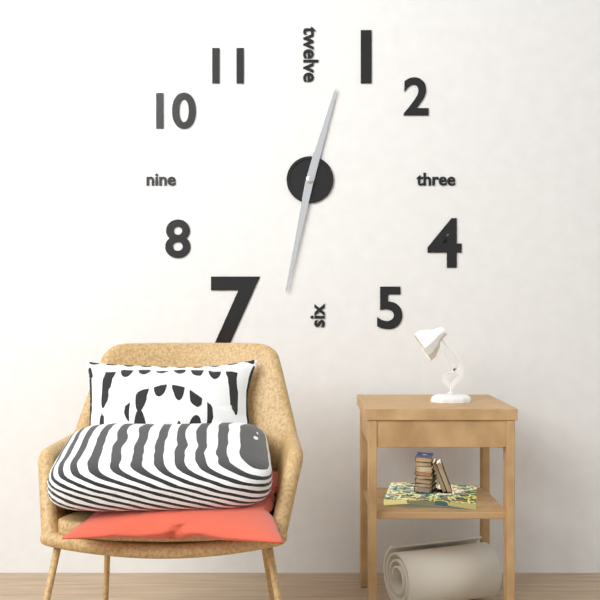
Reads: 12.32
